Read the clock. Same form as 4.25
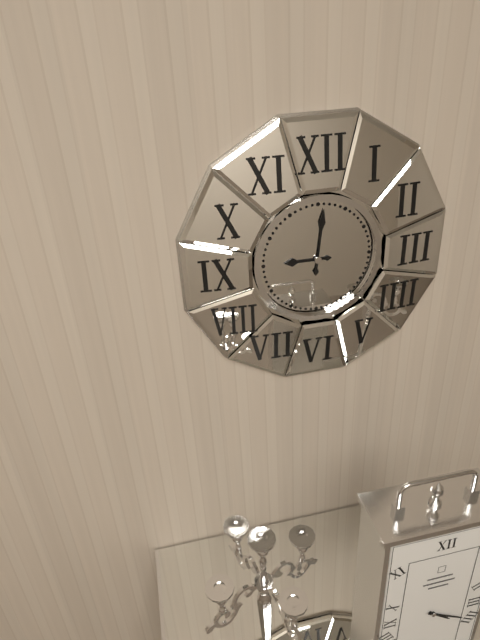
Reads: 9.01
